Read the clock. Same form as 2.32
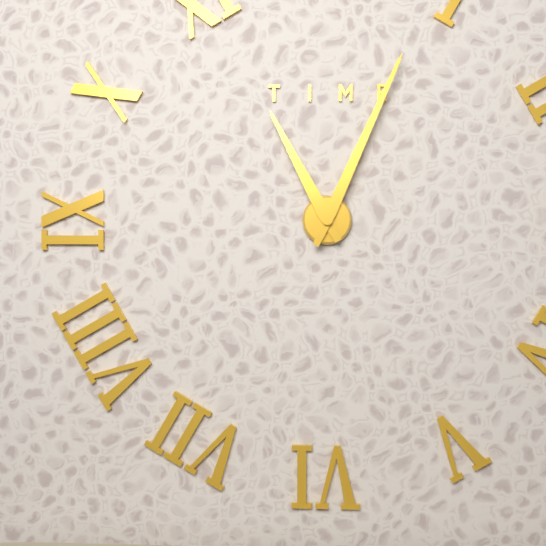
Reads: 11.04
